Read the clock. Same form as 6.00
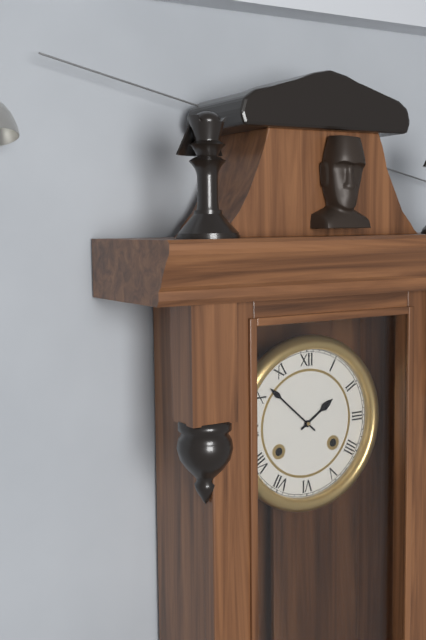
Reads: 1.52
